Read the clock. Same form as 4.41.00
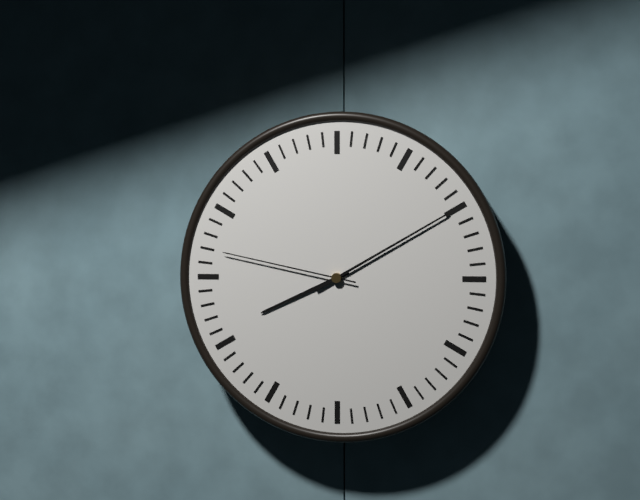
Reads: 8.10.47
